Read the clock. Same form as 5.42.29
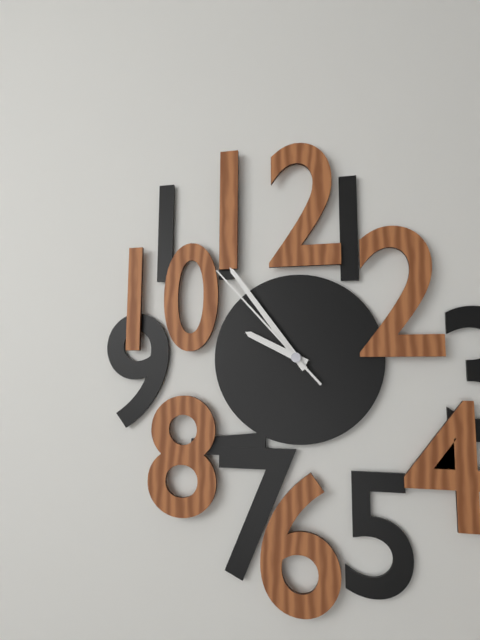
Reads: 9.54.53
